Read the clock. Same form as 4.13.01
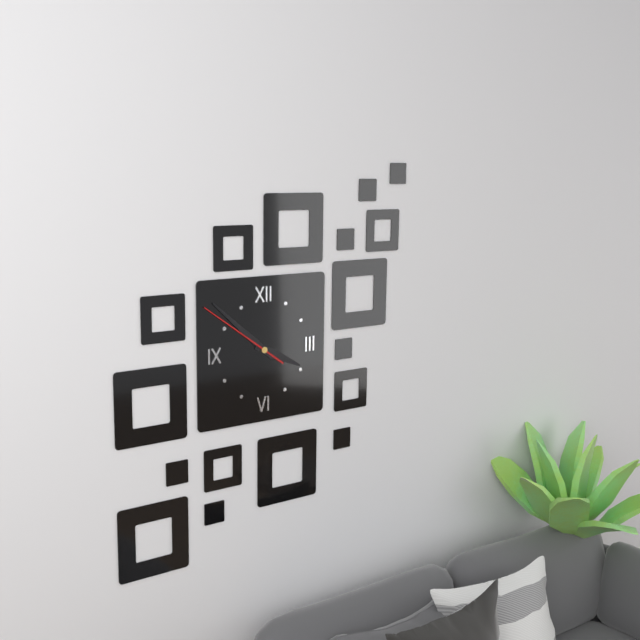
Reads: 3.52.51
